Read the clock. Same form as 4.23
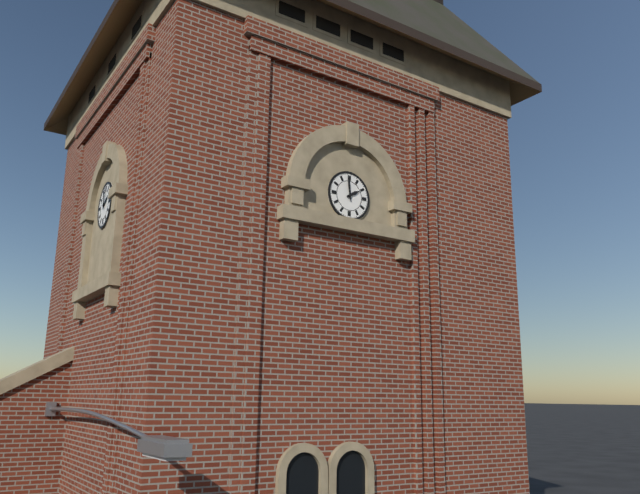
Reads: 1.59
